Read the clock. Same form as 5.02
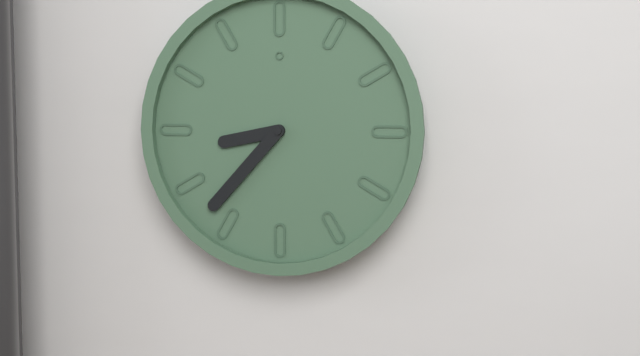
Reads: 8.37
